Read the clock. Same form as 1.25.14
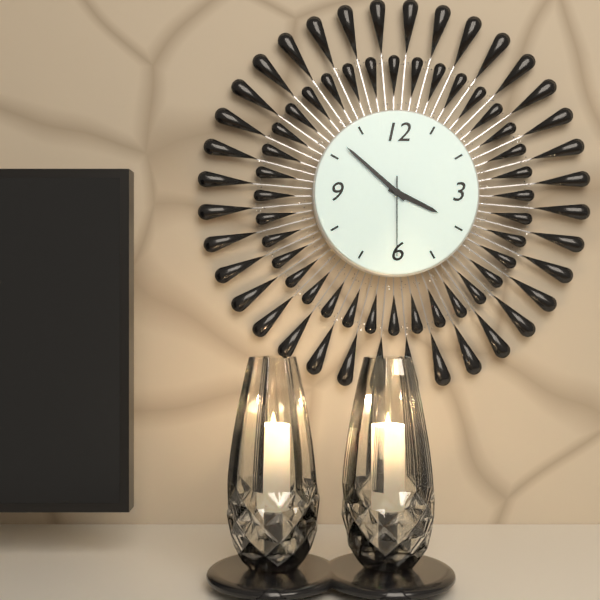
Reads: 3.52.30
